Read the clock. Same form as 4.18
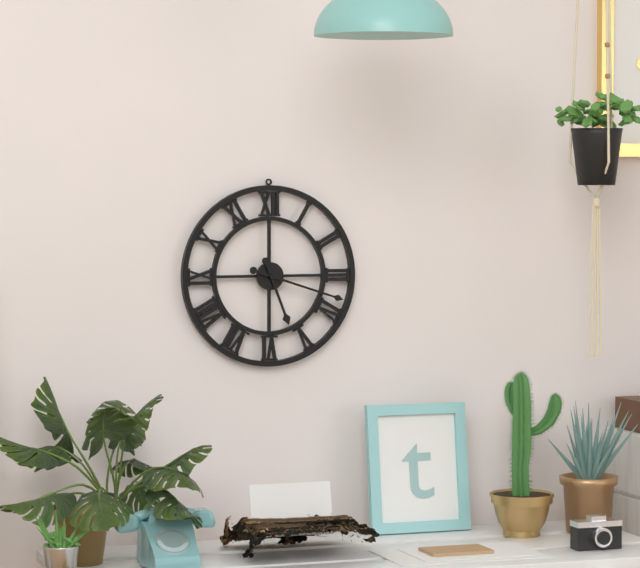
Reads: 5.18
